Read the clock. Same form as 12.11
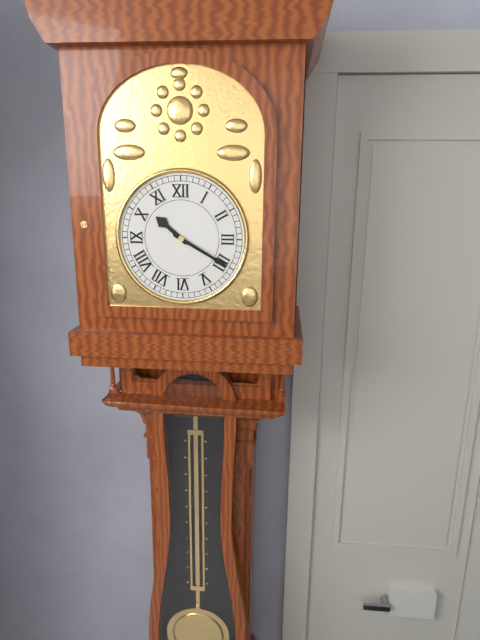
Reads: 10.20
